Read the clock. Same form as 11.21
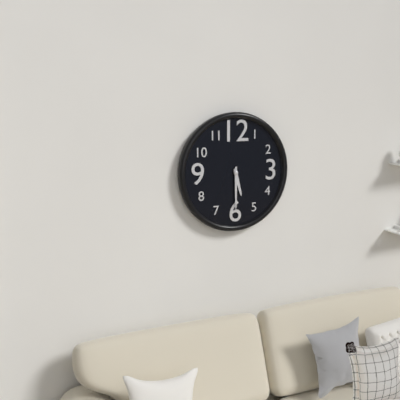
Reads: 5.30
